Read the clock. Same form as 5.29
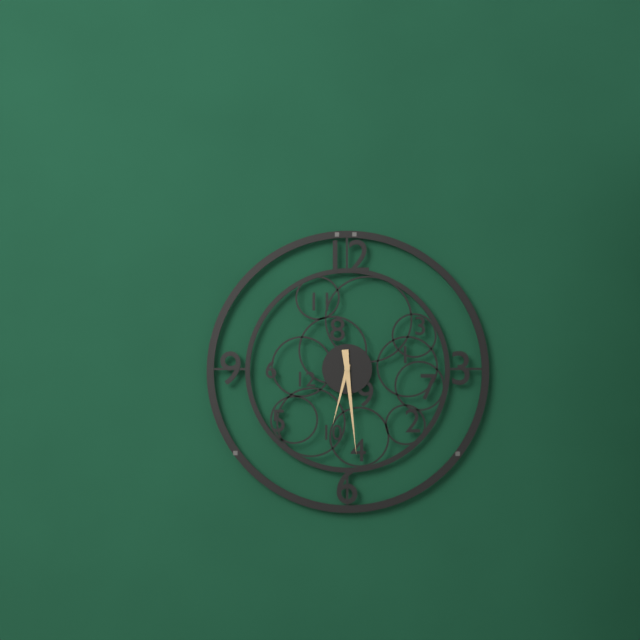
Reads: 6.29
